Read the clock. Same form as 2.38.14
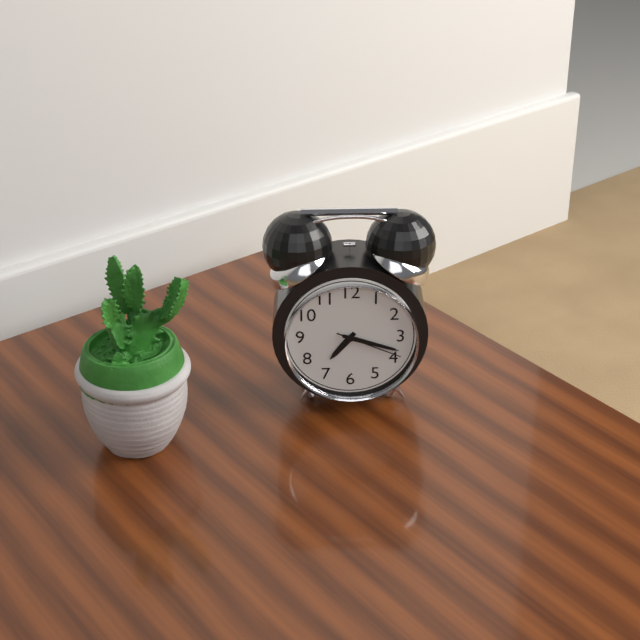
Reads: 7.18.19
